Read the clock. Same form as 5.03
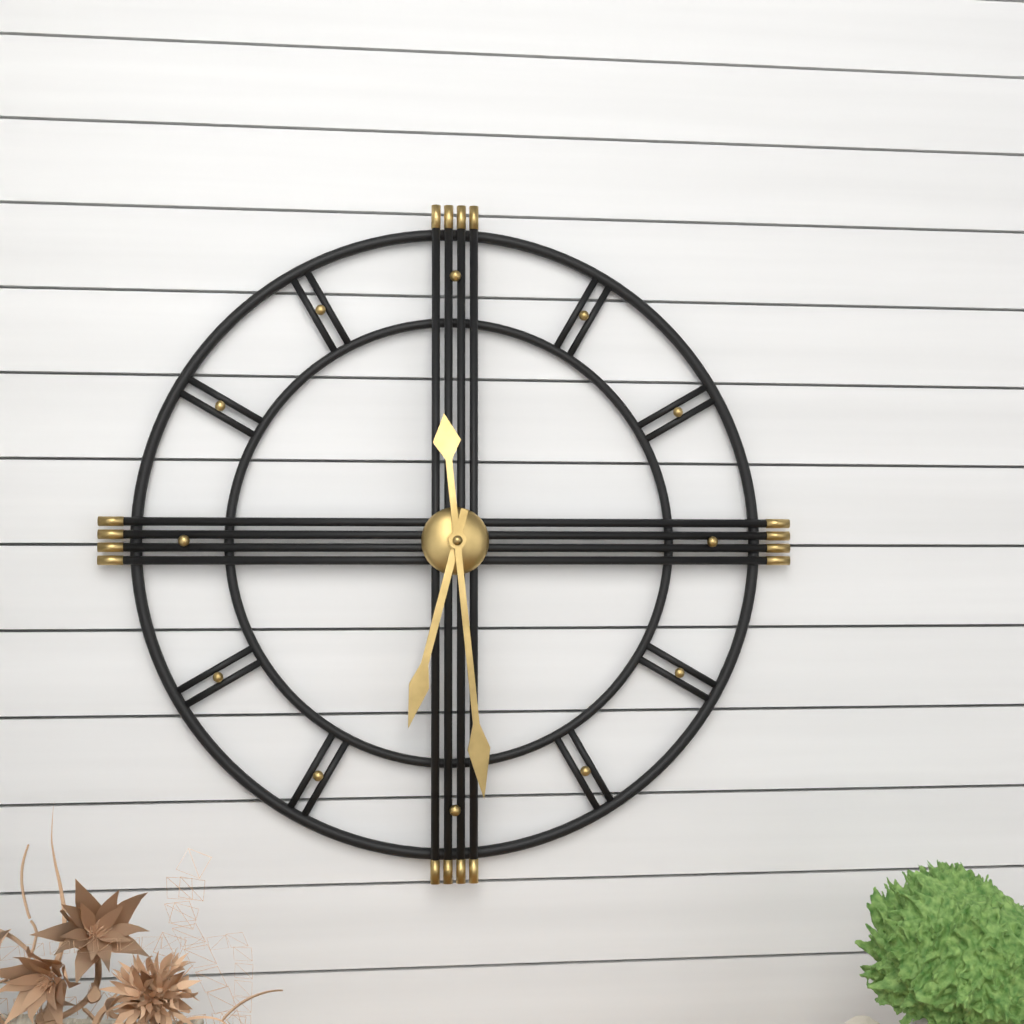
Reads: 6.29
